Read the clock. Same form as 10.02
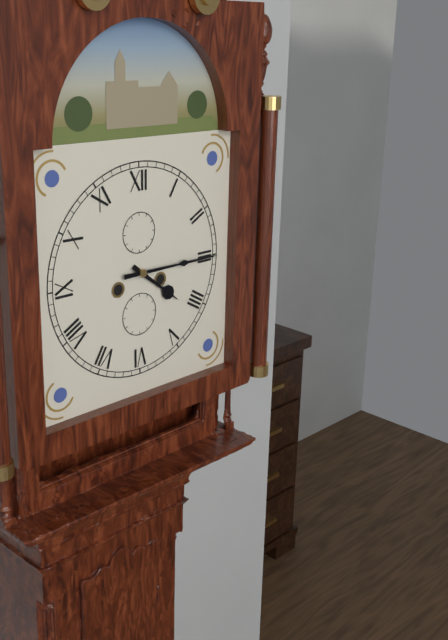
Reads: 4.15
